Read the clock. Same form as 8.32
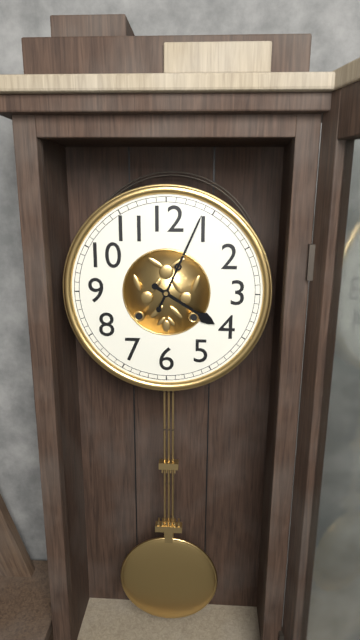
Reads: 4.04
